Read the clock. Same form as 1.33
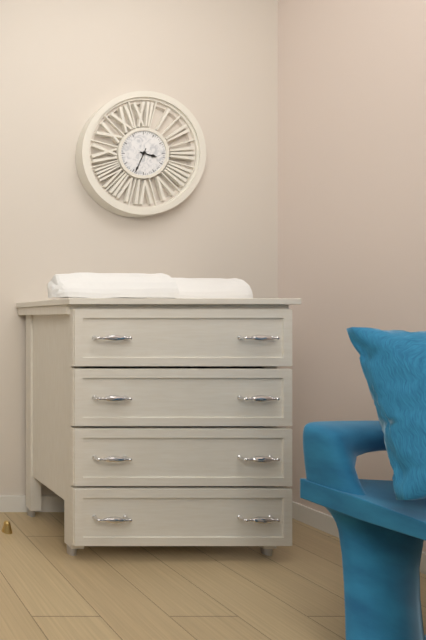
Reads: 3.34
